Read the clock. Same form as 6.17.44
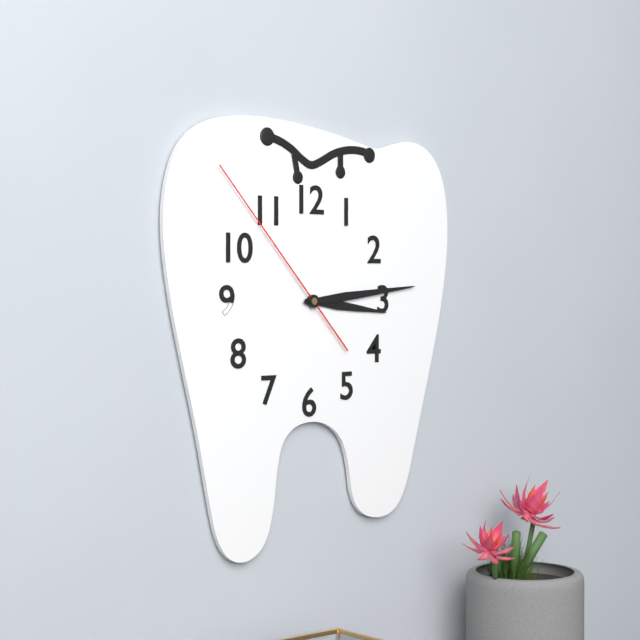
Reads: 3.14.53
